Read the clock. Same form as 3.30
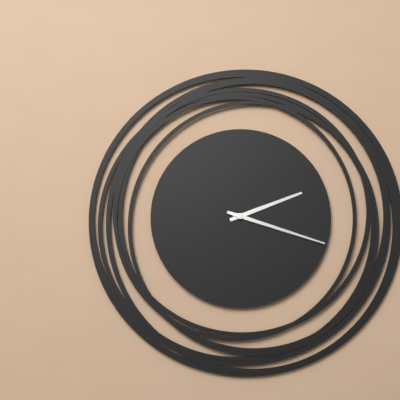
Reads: 2.18
